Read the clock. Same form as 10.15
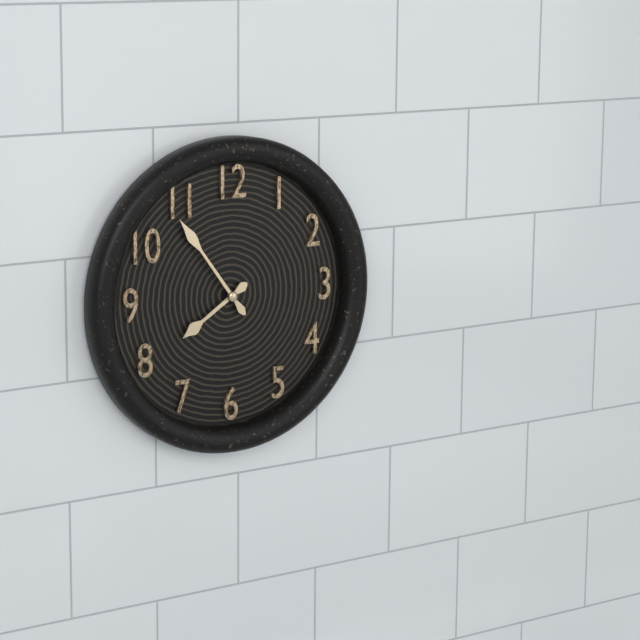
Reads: 7.54
